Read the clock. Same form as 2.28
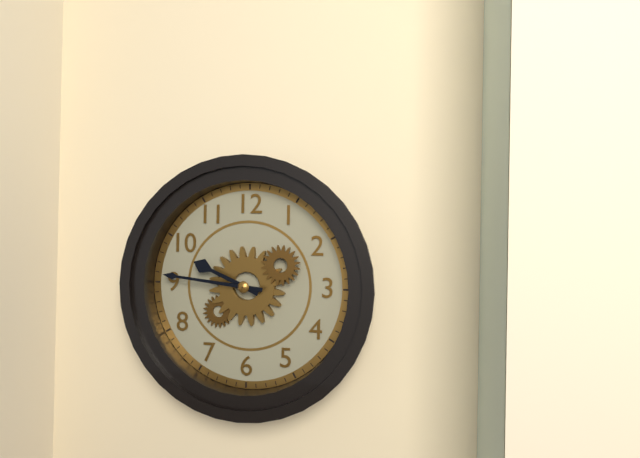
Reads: 9.46
